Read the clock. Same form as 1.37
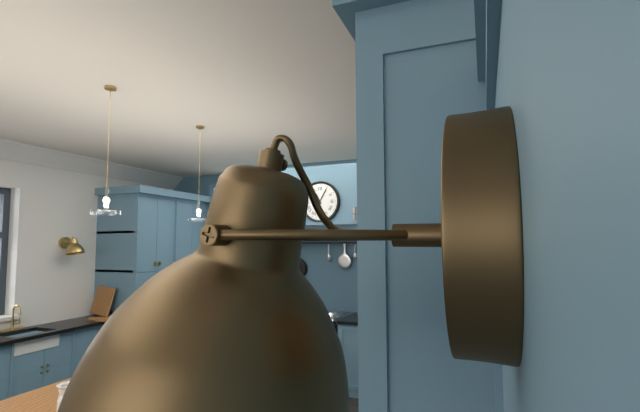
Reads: 11.05
